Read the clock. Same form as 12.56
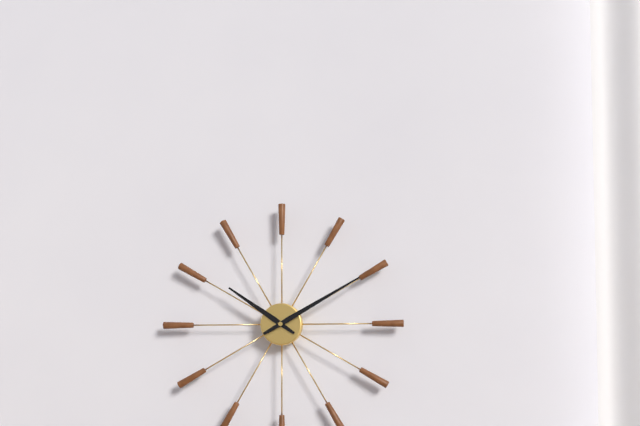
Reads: 10.10
